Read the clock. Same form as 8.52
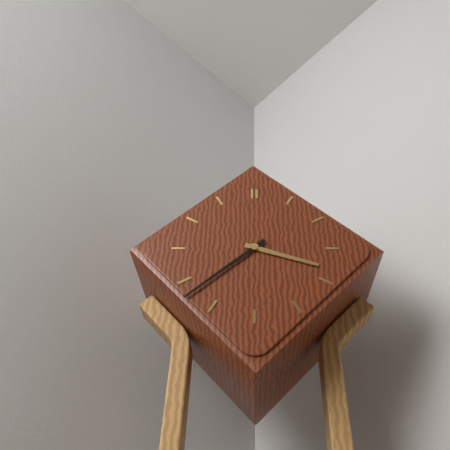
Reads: 3.38
